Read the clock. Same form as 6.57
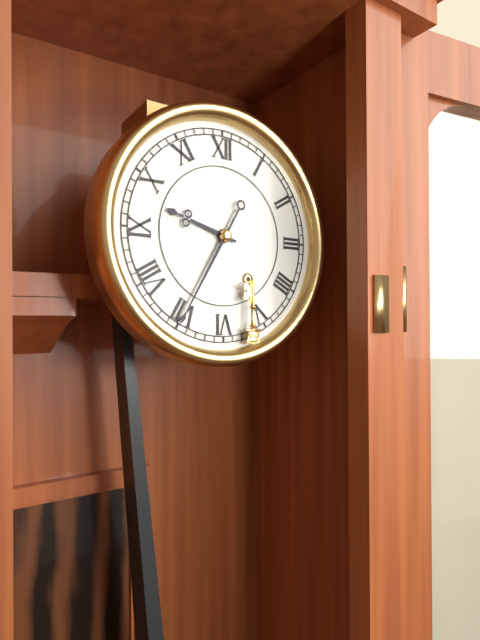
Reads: 9.35
